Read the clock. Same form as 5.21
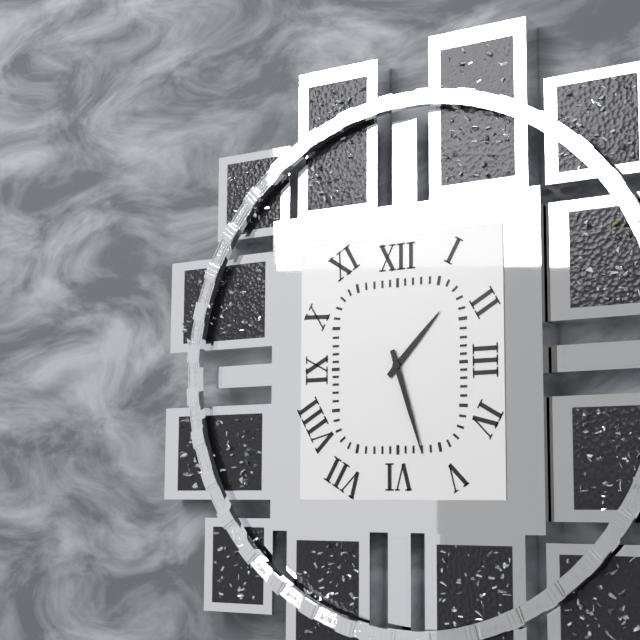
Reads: 1.27
